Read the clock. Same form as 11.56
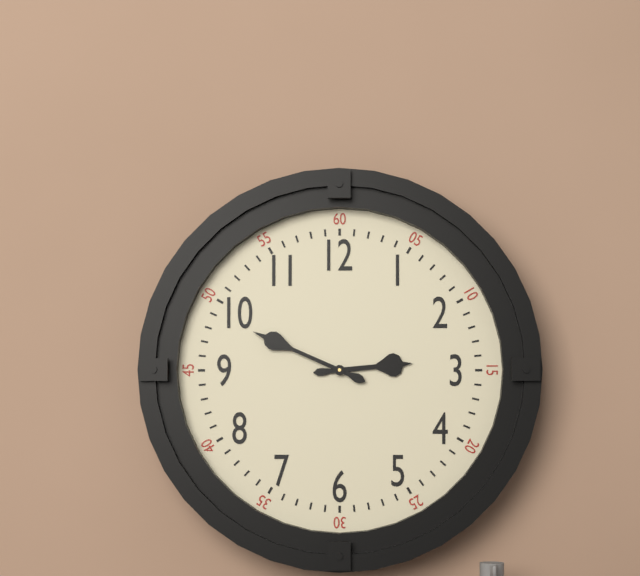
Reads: 2.49
